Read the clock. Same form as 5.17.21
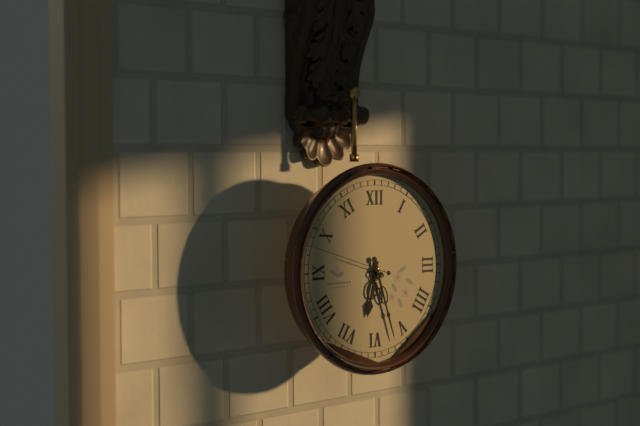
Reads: 6.27.48
